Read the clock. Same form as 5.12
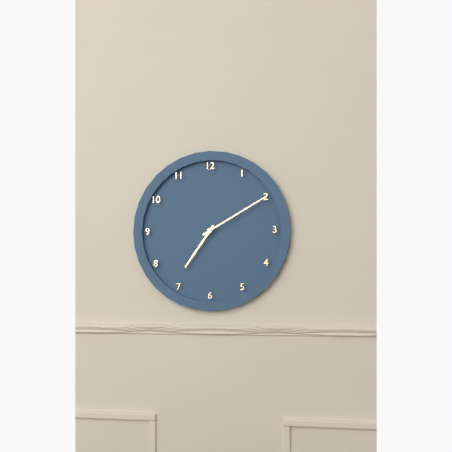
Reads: 7.10
